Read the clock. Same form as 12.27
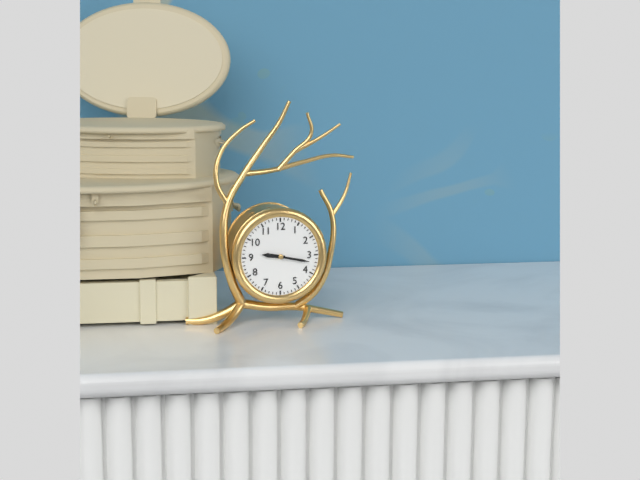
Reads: 9.17
